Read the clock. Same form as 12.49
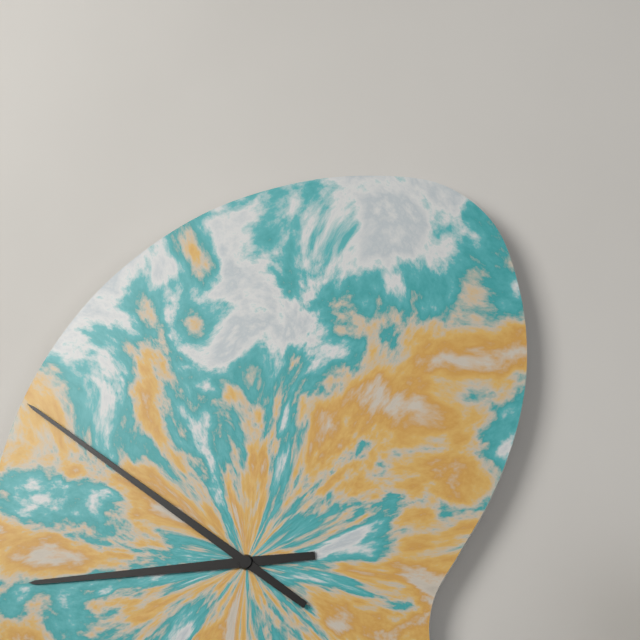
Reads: 8.51
